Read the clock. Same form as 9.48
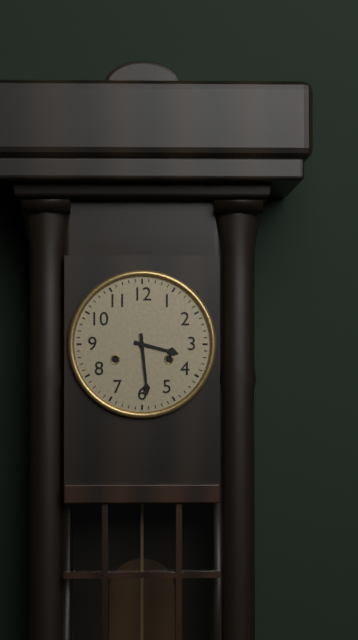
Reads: 3.29
